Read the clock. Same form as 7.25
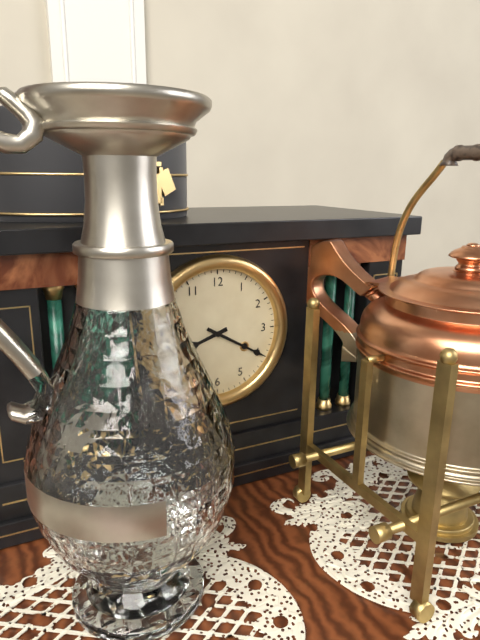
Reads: 8.20
